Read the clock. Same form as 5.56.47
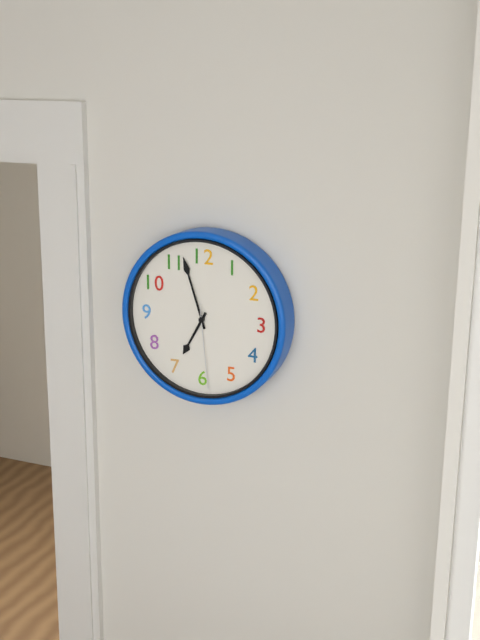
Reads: 6.57.29
